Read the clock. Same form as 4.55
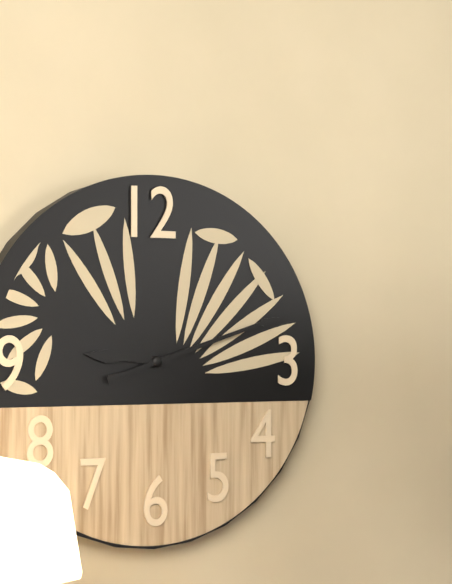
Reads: 9.12
